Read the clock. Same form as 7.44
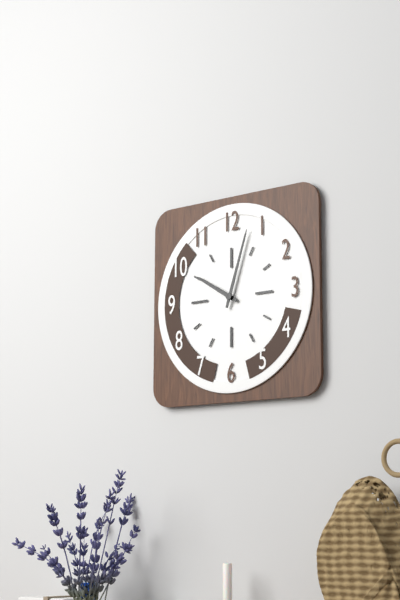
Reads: 10.03
